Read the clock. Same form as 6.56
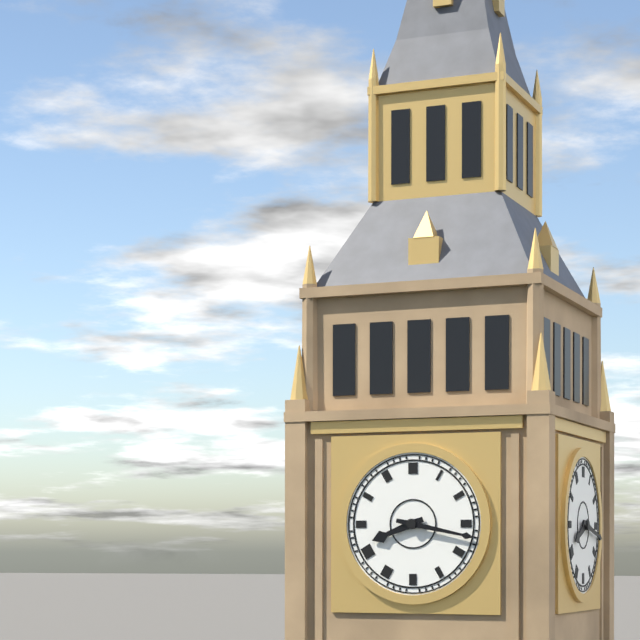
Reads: 8.17
